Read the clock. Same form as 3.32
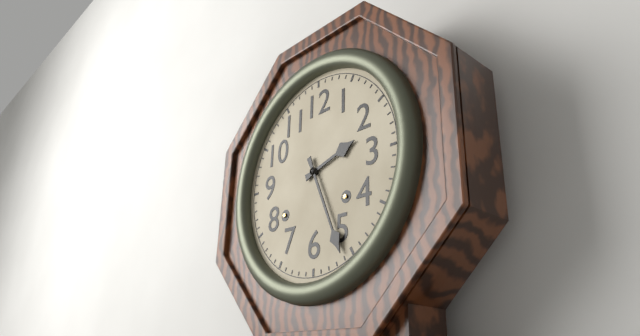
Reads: 2.26
